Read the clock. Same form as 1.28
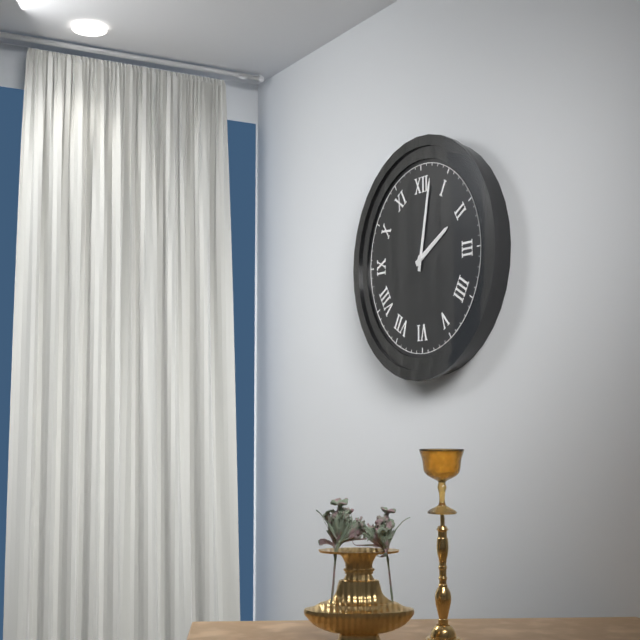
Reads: 2.02
